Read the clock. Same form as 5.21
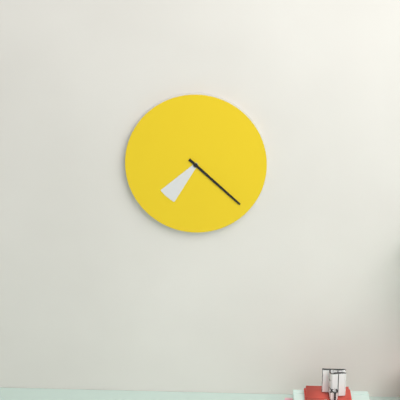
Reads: 7.22
